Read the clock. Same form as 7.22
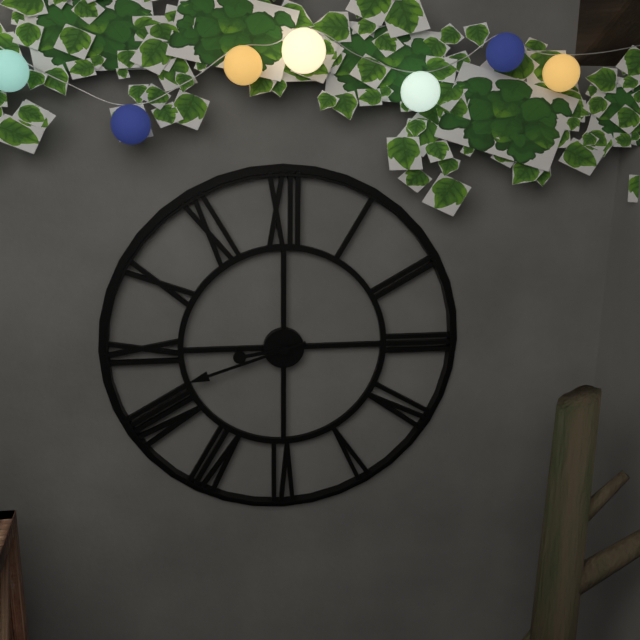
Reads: 8.42
